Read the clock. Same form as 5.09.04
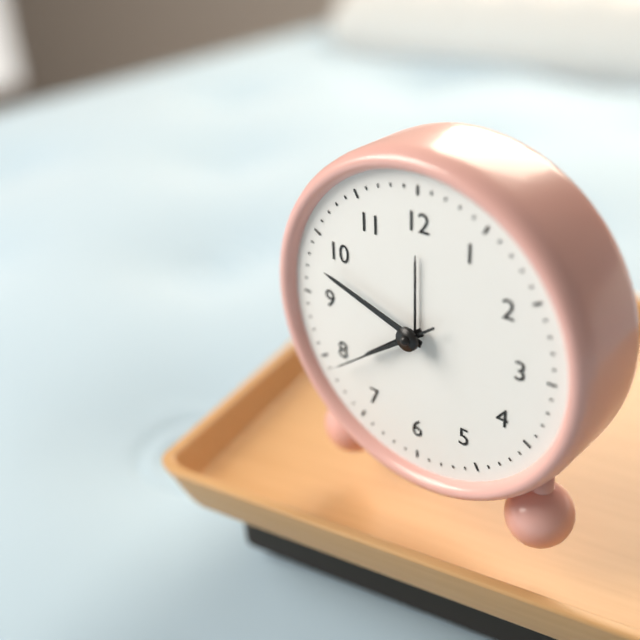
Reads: 7.48.39
